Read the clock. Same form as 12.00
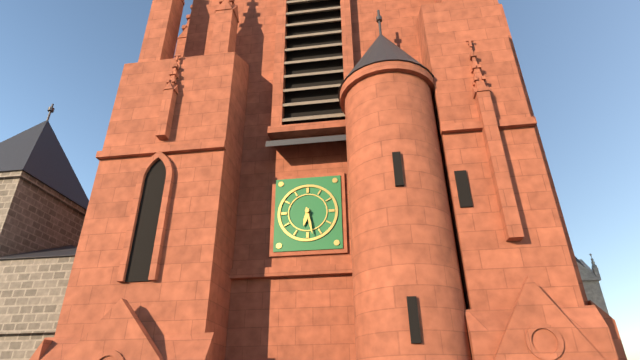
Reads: 6.28
